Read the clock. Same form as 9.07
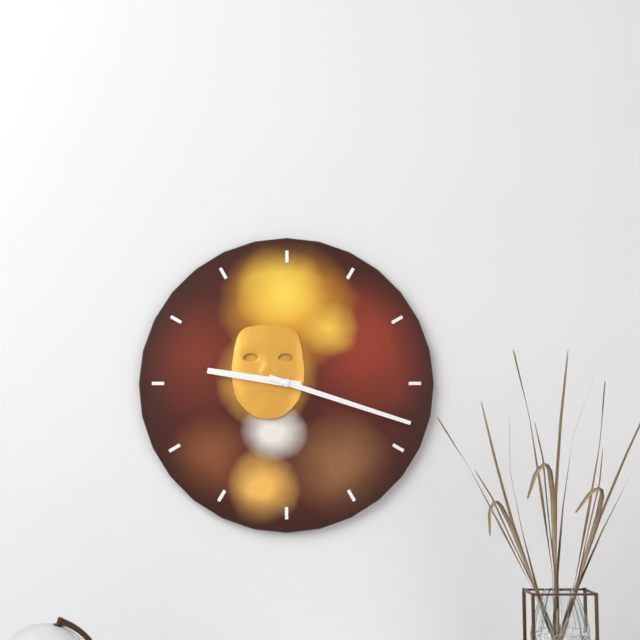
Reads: 9.18
